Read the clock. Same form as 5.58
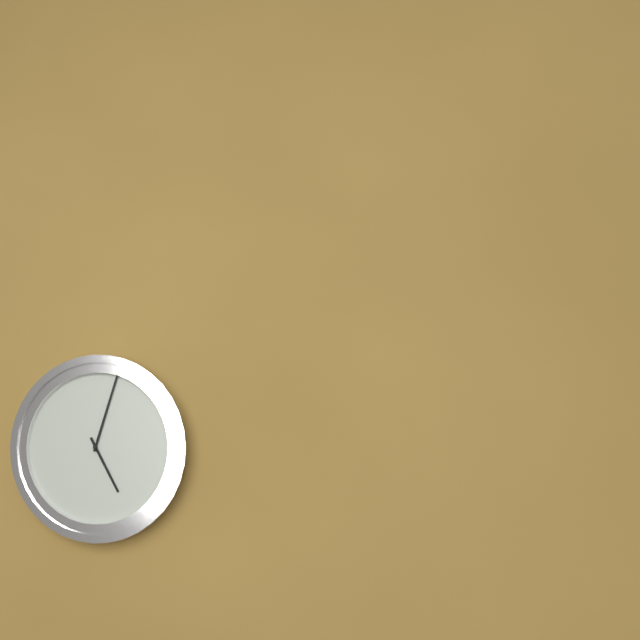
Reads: 5.03
